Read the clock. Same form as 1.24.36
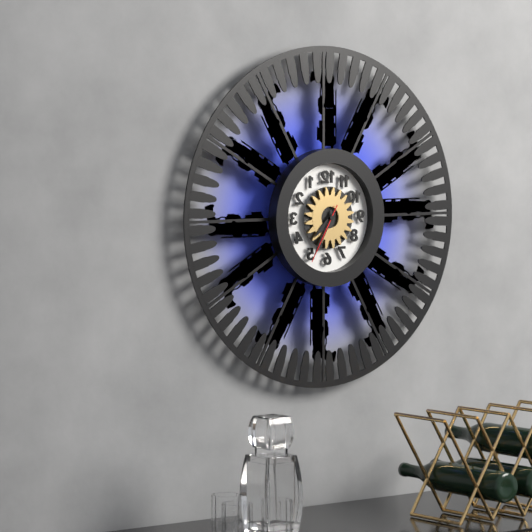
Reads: 7.35.35
